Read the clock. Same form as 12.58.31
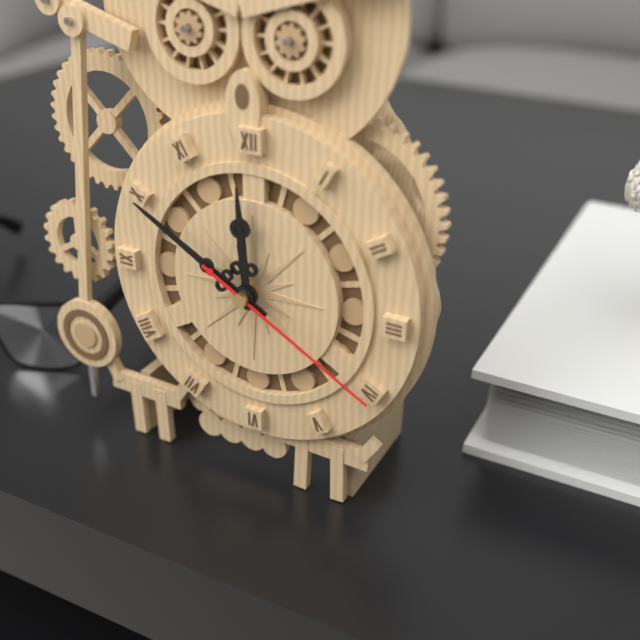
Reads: 11.50.20
